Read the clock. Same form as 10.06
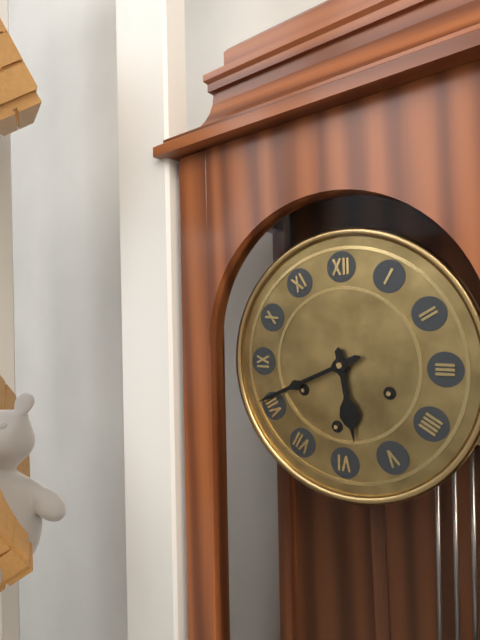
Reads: 5.41
